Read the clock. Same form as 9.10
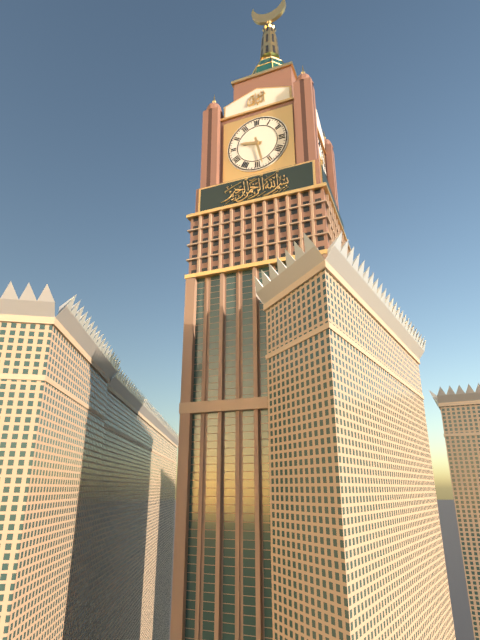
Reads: 9.28
